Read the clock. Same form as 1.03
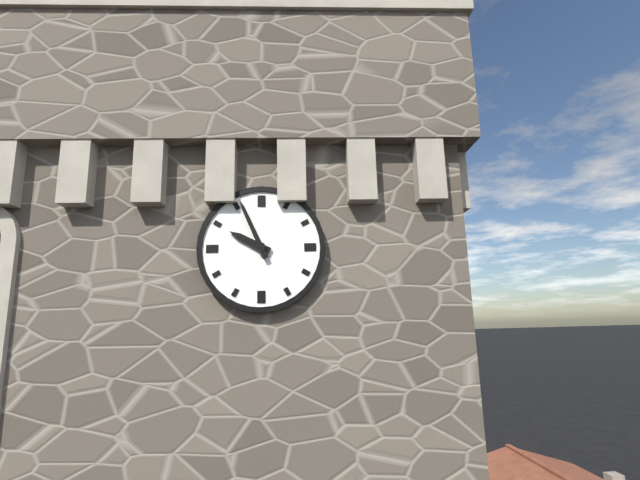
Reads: 9.56
